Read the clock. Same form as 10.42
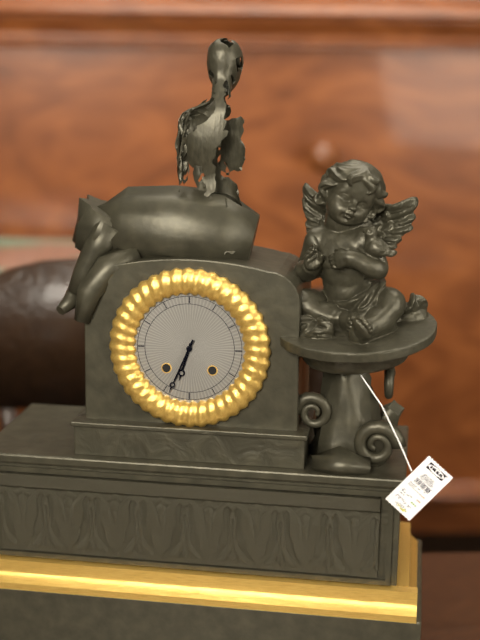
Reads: 6.34
